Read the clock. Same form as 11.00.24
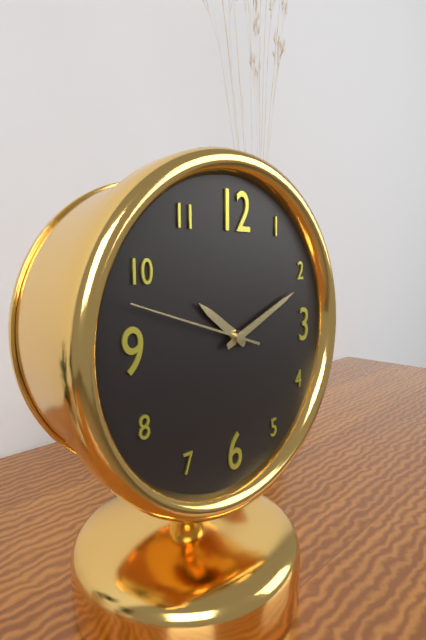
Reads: 10.11.48
